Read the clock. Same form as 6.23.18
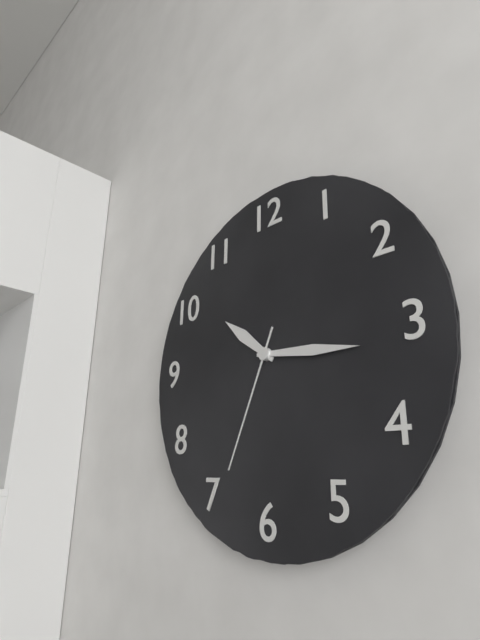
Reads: 10.16.34
